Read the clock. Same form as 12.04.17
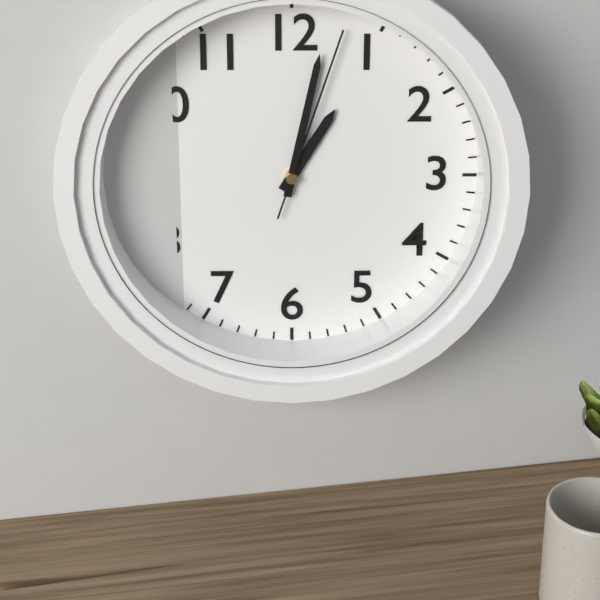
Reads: 1.02.03
